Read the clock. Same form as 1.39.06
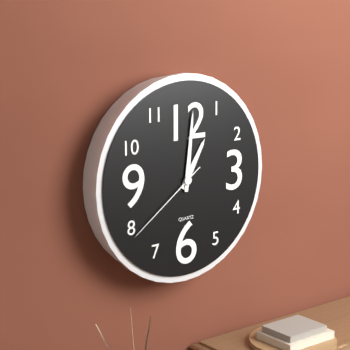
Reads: 1.01.39
